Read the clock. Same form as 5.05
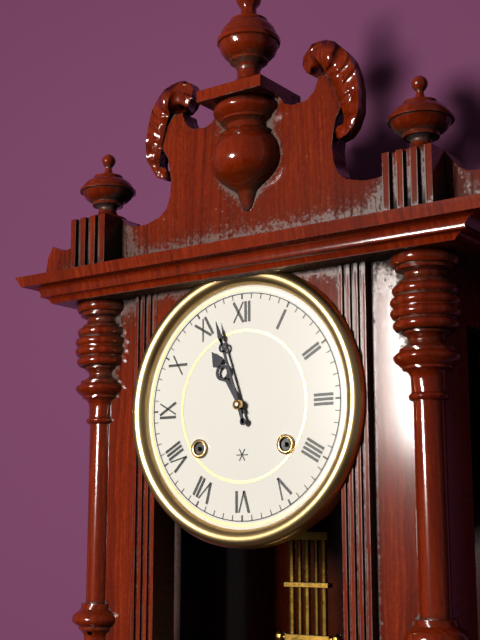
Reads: 10.57
